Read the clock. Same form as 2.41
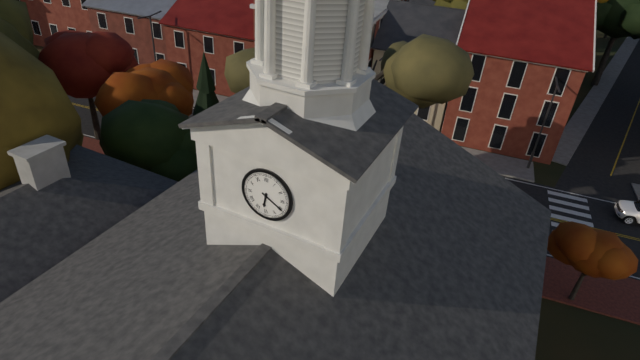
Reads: 6.20
